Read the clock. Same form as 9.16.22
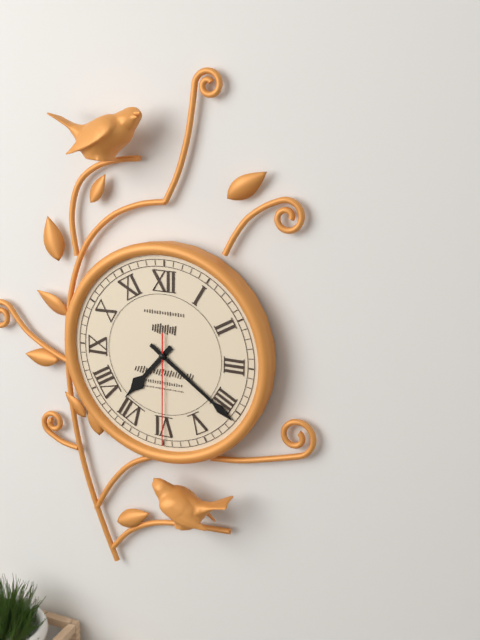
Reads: 7.21.30
